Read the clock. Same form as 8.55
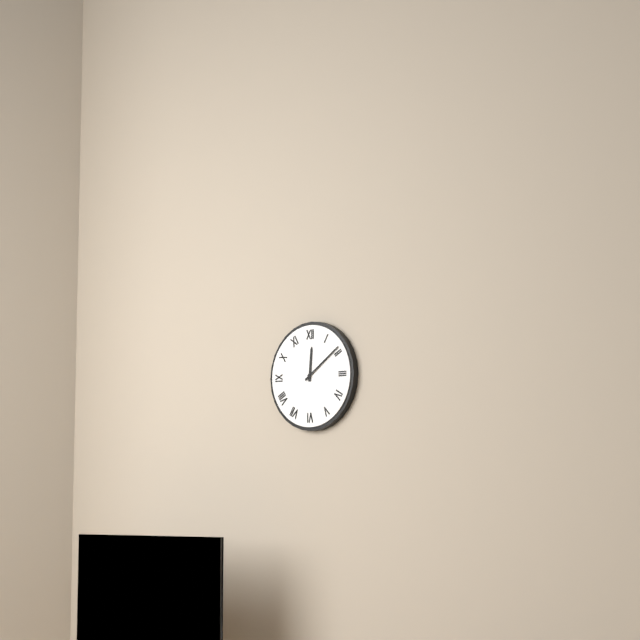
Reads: 12.09
